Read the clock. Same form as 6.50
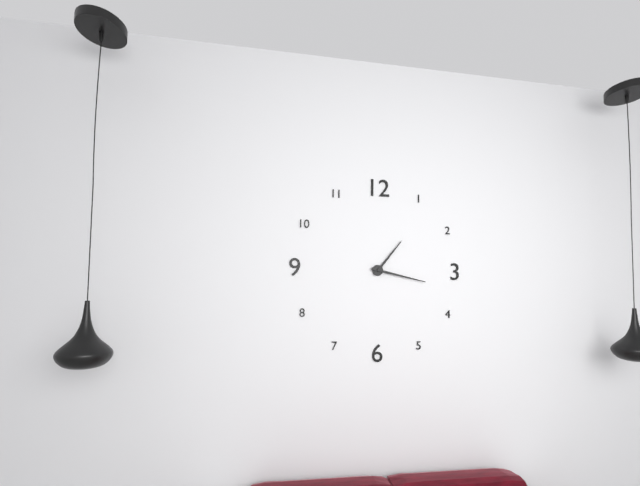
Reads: 1.17
